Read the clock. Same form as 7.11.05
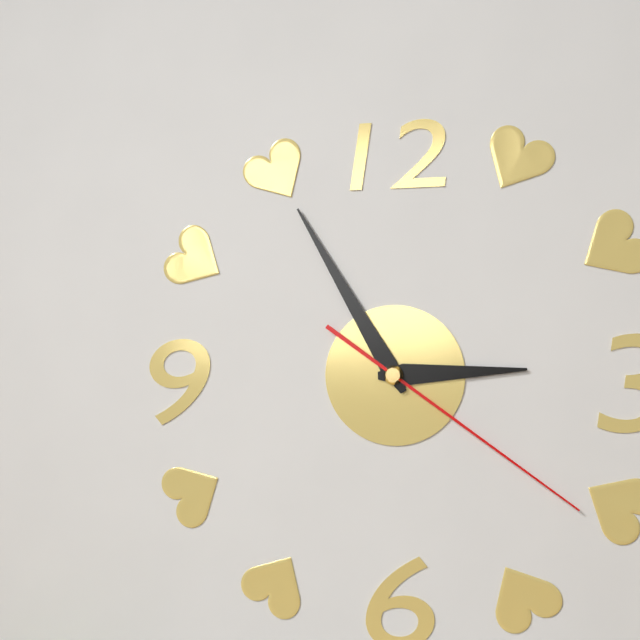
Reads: 2.55.21
